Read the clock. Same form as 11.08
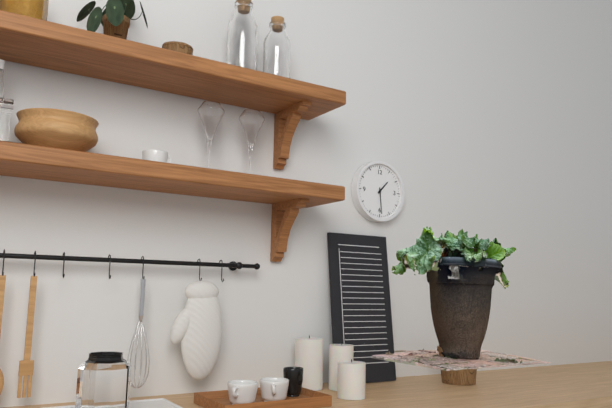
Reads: 1.29
